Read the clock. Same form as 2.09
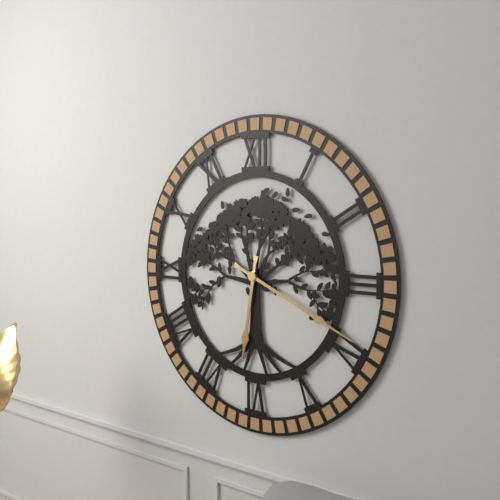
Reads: 6.19
